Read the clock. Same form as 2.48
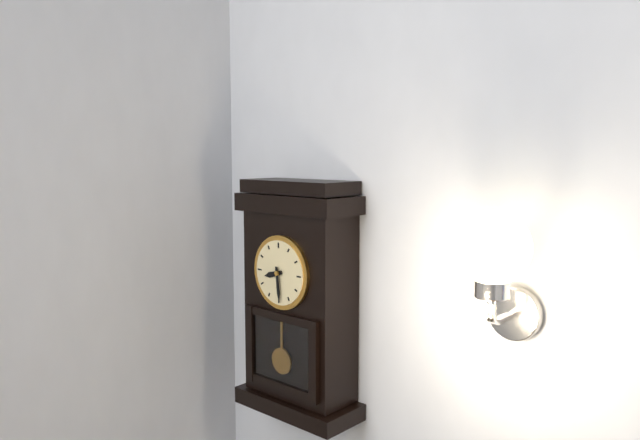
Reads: 8.29
